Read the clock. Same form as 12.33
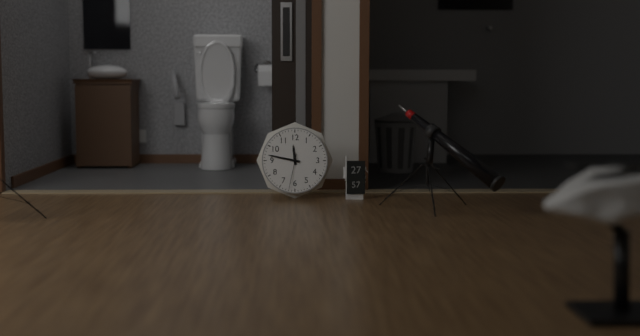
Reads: 11.47
